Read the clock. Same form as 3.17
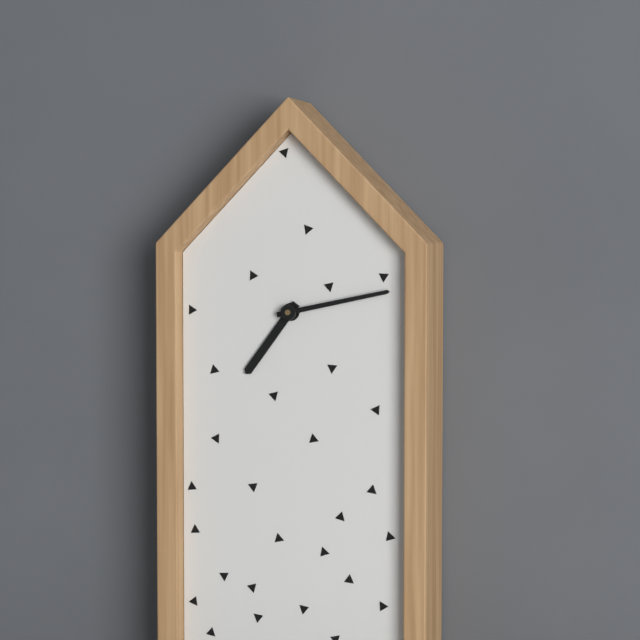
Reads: 7.13
